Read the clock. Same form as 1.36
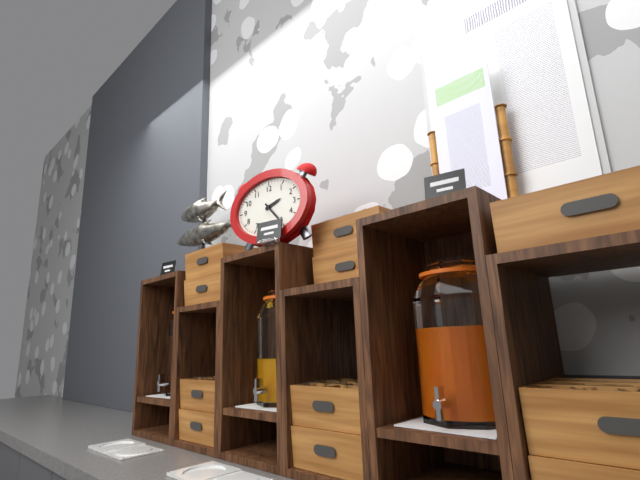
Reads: 2.23
